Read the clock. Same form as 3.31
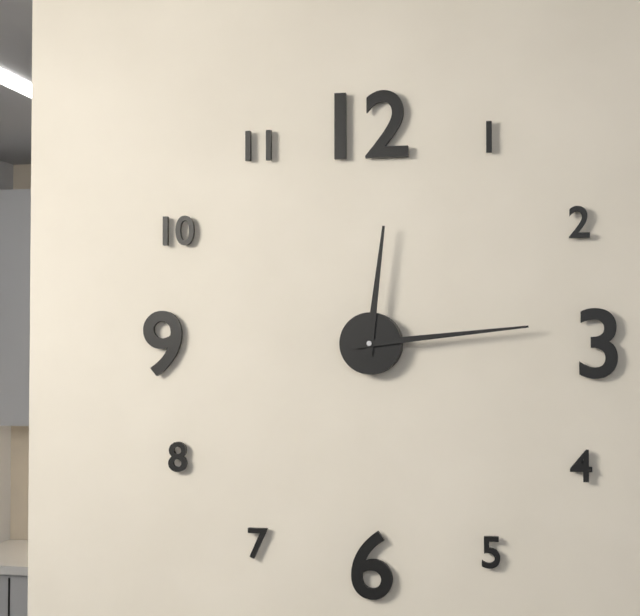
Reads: 12.14
